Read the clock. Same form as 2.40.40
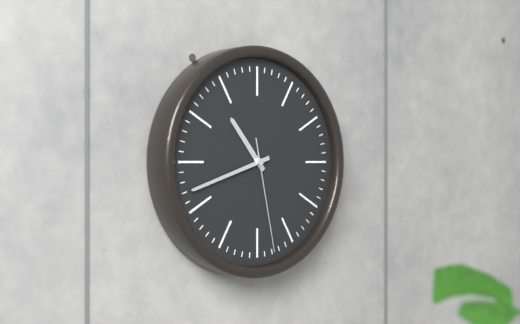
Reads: 10.42.28
